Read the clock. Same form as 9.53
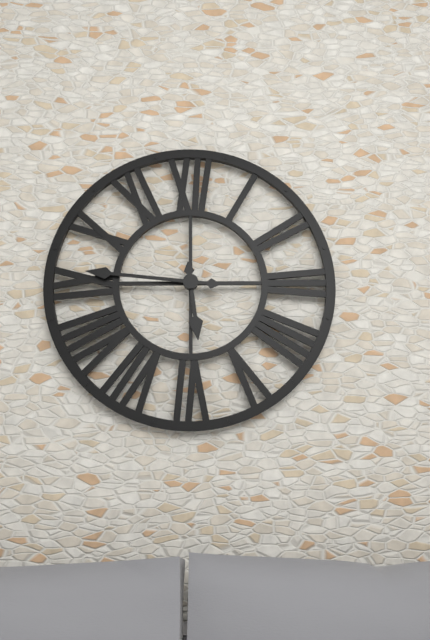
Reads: 5.46
